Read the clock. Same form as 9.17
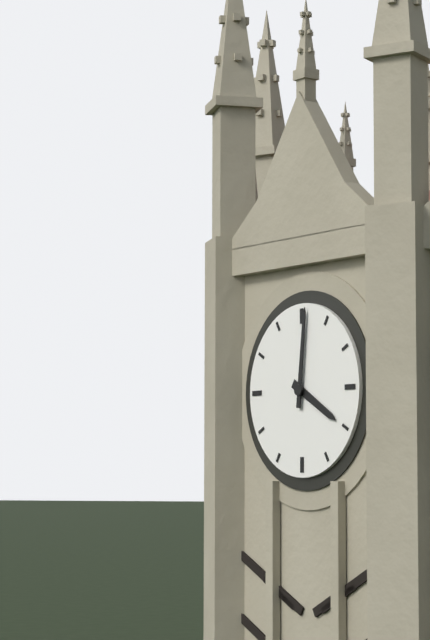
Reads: 4.01
